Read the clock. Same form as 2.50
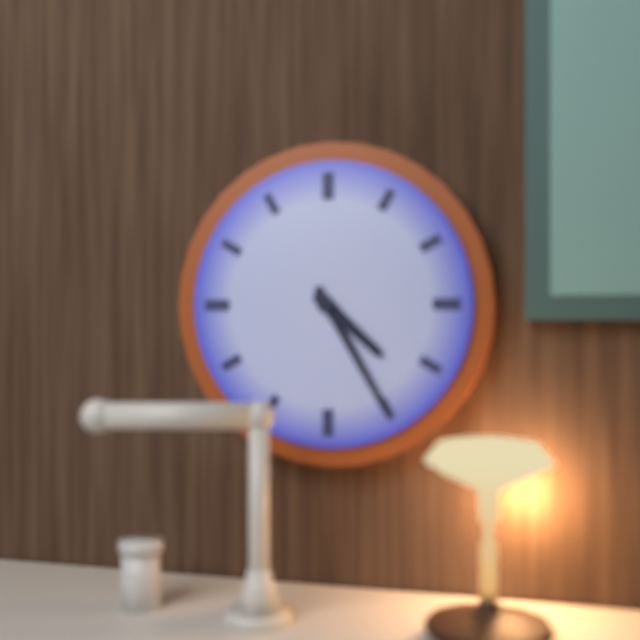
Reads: 4.25
